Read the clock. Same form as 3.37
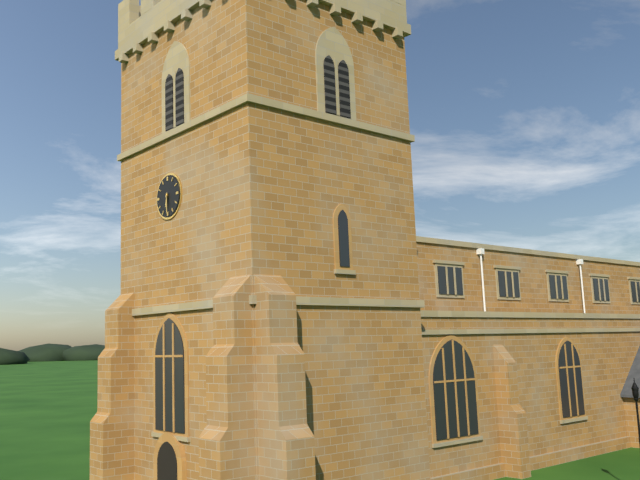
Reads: 6.30
